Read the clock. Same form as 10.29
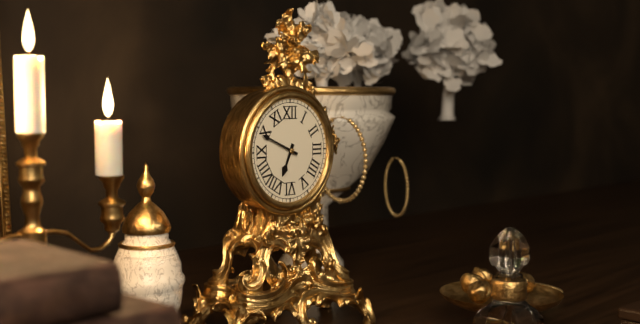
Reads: 6.49
